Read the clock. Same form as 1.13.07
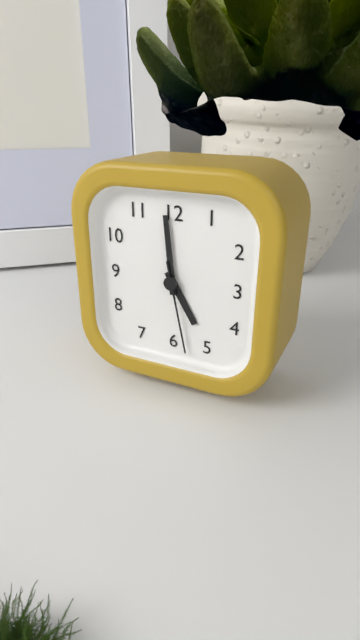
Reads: 4.59.28
